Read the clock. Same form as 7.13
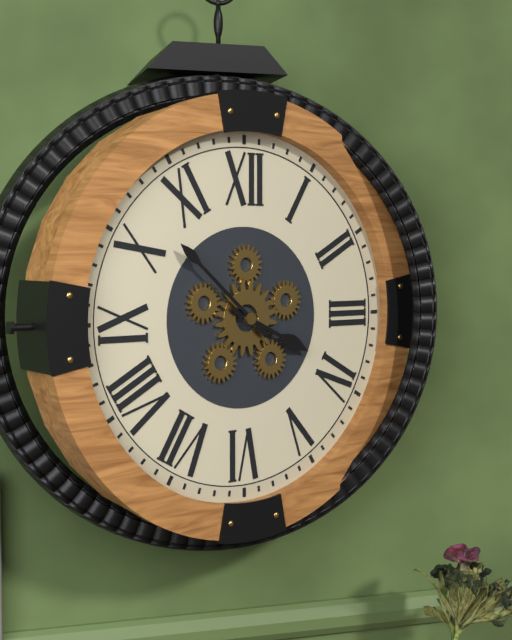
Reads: 3.52
